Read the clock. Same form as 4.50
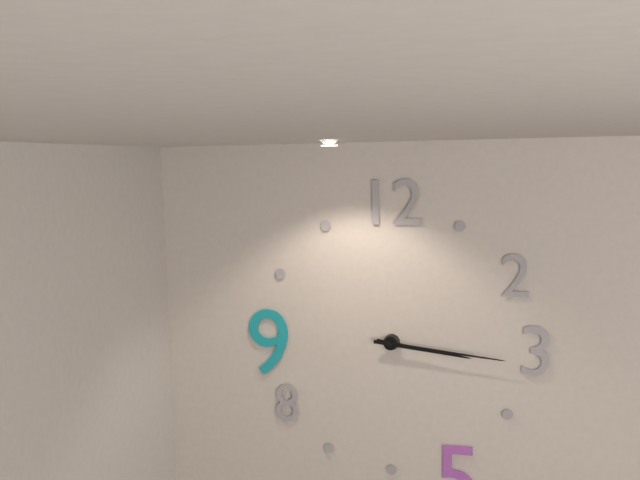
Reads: 3.16
